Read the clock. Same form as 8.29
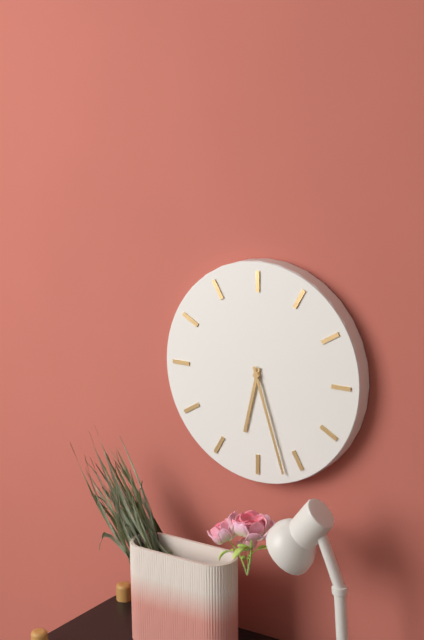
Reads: 6.27
